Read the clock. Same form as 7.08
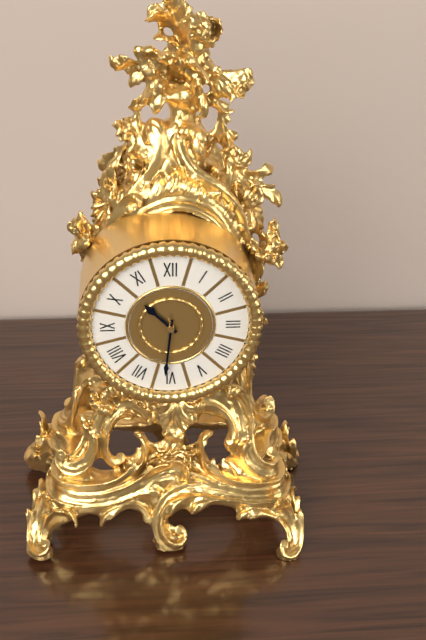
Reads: 10.31
